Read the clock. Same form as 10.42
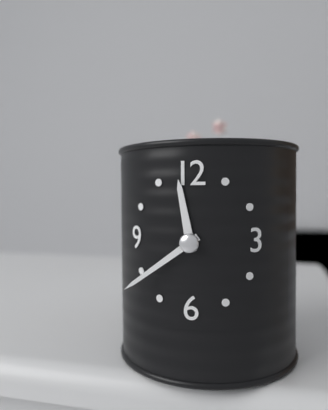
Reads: 11.39
